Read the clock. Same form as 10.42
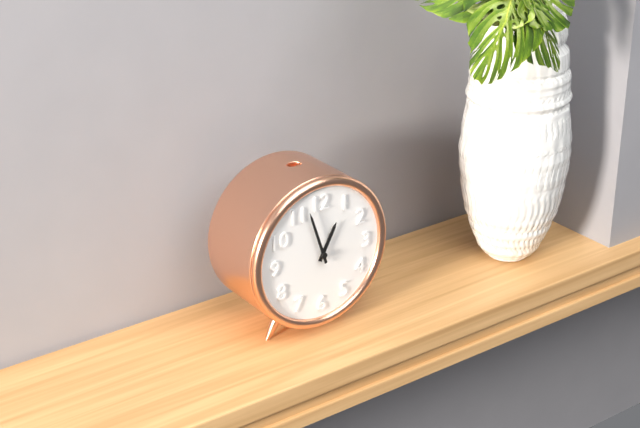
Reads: 12.57
